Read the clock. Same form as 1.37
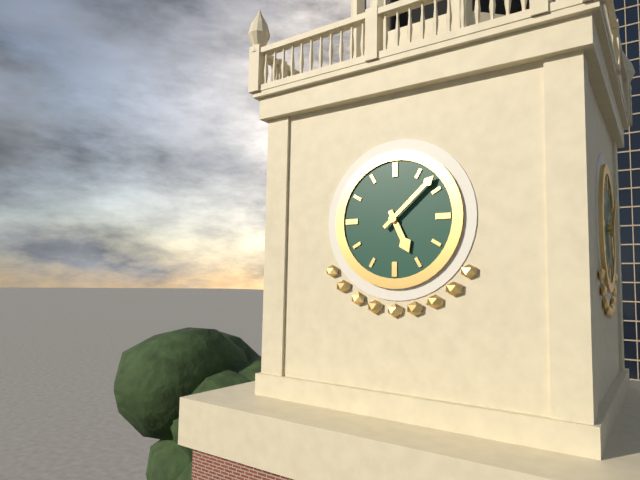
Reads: 5.08
